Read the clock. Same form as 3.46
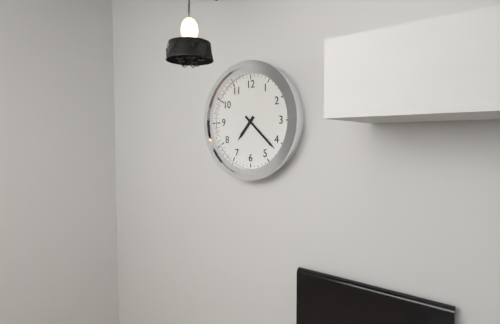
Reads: 7.22
